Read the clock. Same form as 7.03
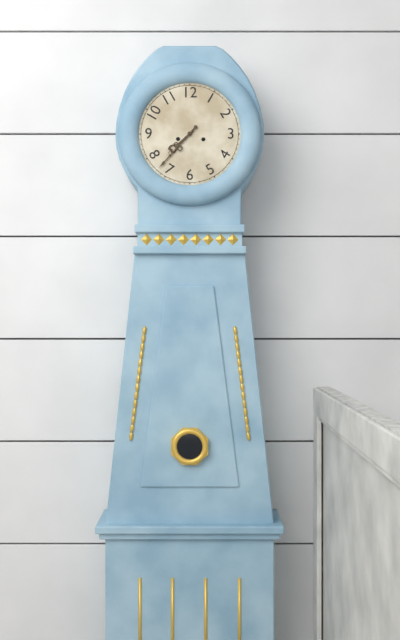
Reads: 7.37
